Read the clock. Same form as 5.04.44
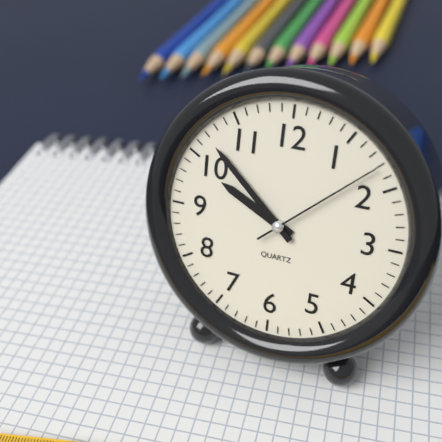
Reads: 9.52.08
